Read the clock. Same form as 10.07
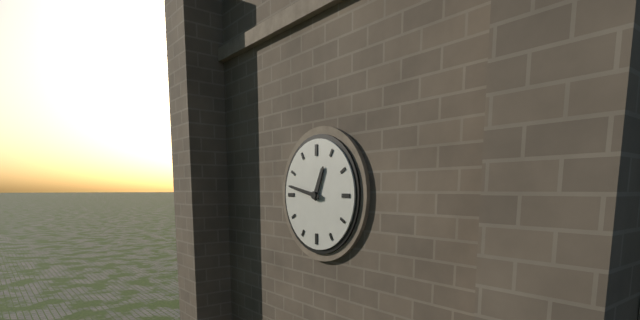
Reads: 12.47
